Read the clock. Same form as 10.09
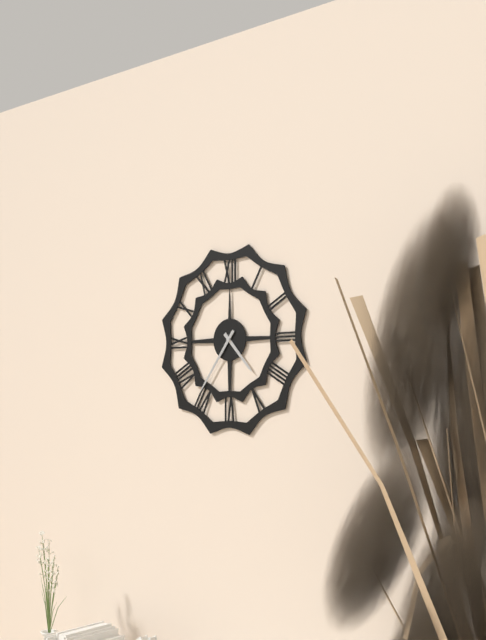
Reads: 4.36
